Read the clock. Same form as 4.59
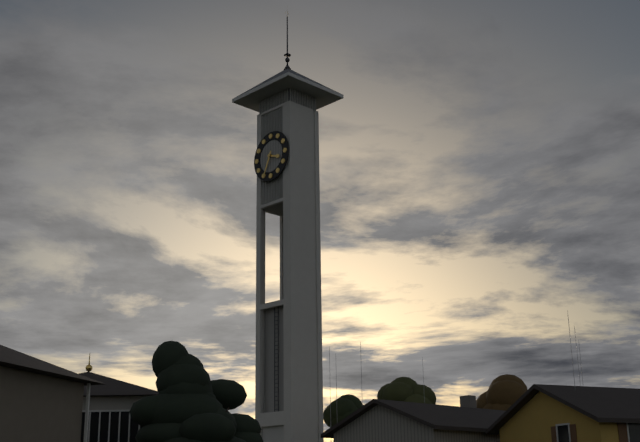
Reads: 3.34
